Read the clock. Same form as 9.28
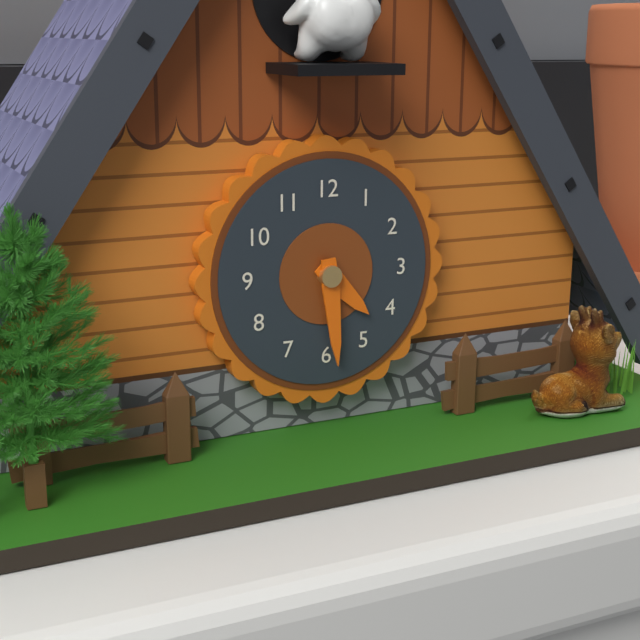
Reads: 4.29
